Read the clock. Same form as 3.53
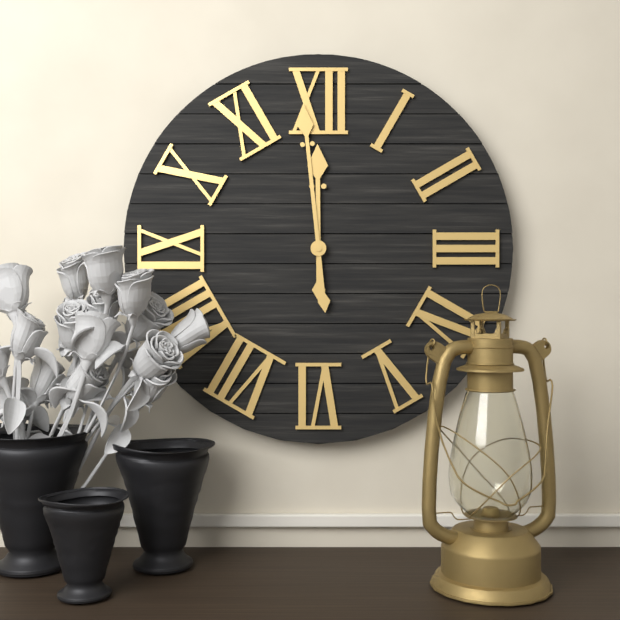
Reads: 11.59
